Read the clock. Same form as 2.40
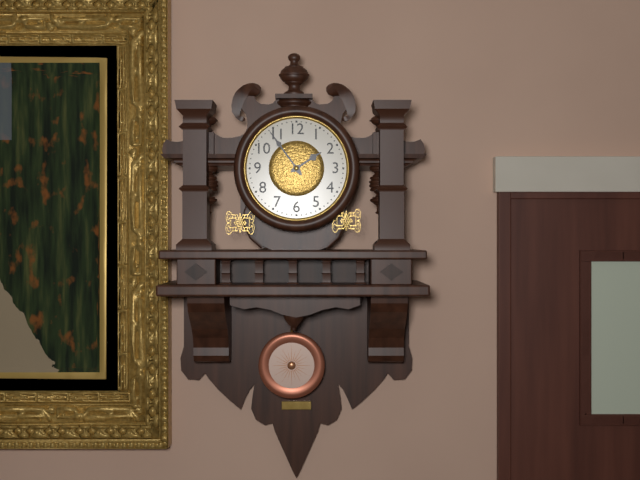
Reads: 1.54
